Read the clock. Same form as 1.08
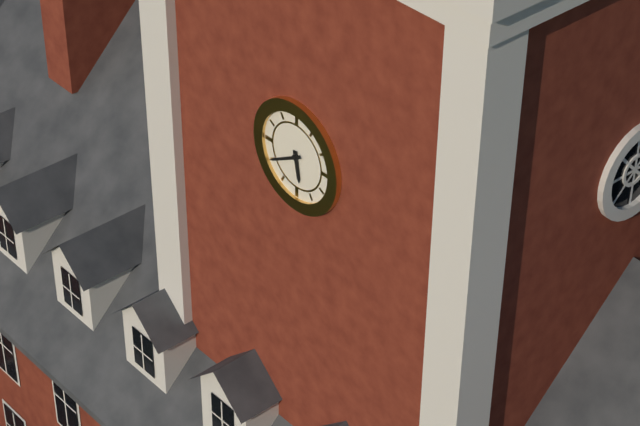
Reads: 5.40
